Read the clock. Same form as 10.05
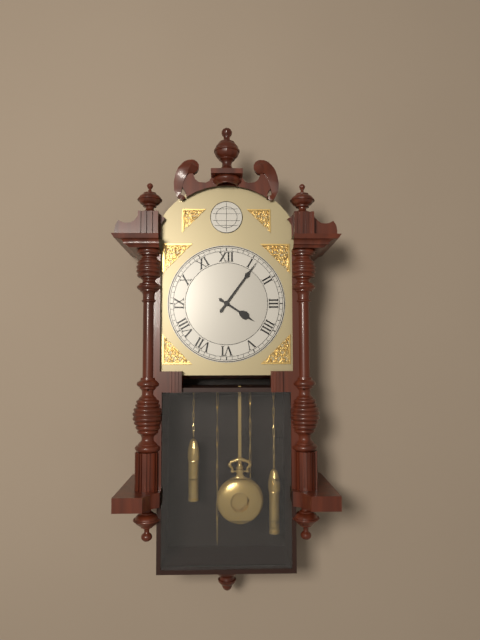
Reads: 4.06
